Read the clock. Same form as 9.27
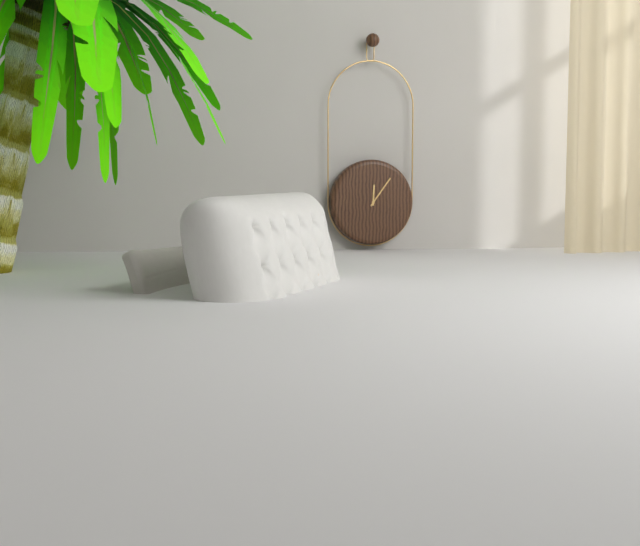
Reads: 12.06
